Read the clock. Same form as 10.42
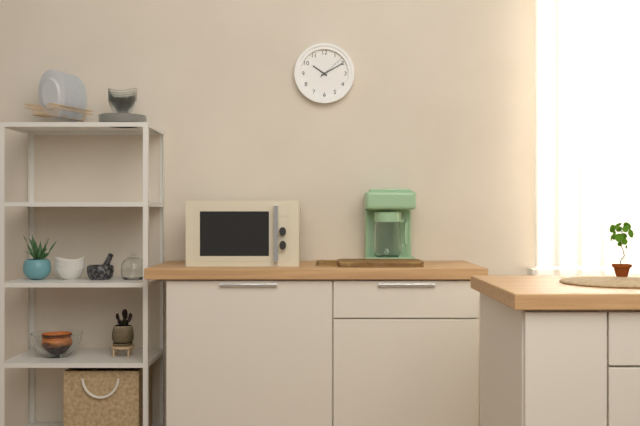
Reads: 10.10
